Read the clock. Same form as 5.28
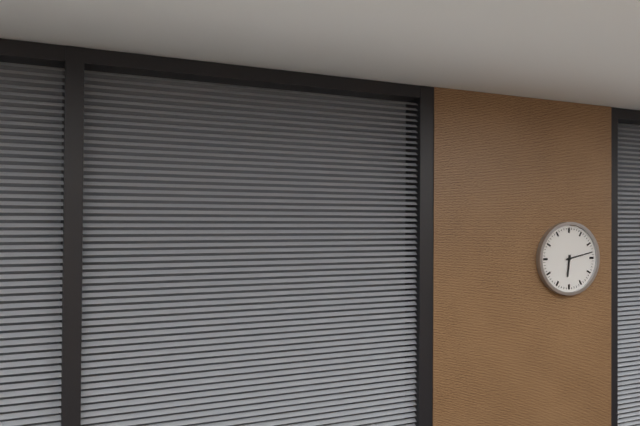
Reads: 6.13
